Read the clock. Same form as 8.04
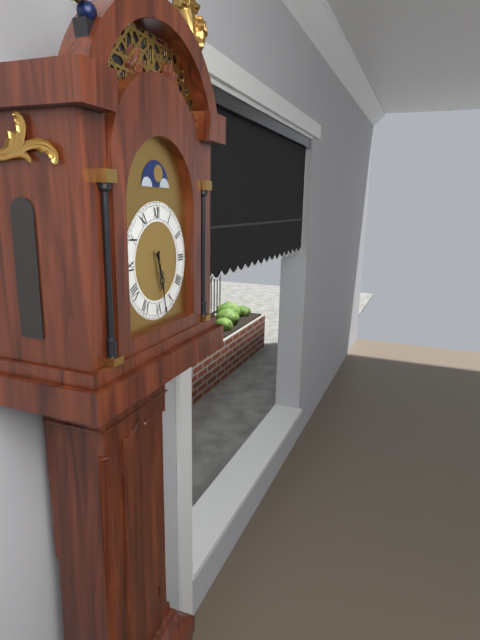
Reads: 5.28
